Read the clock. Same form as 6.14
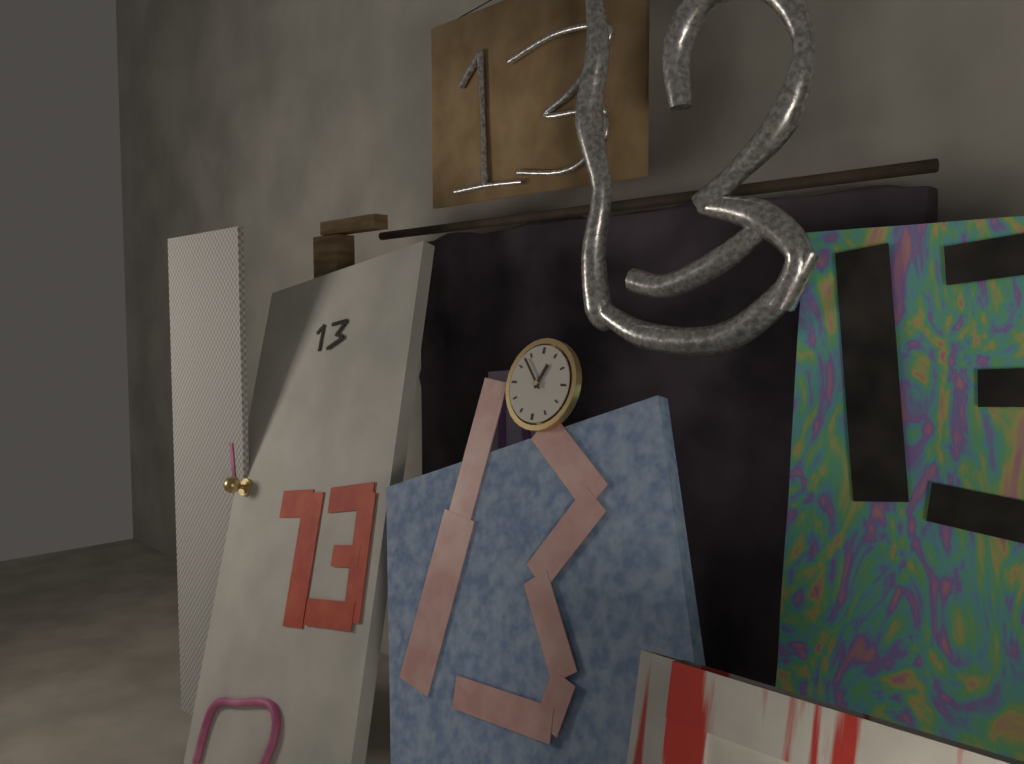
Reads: 12.53
